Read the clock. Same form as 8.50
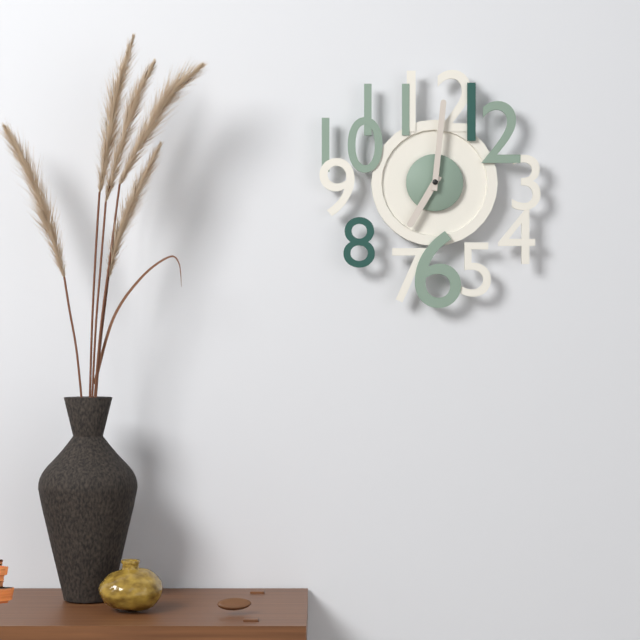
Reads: 7.01
